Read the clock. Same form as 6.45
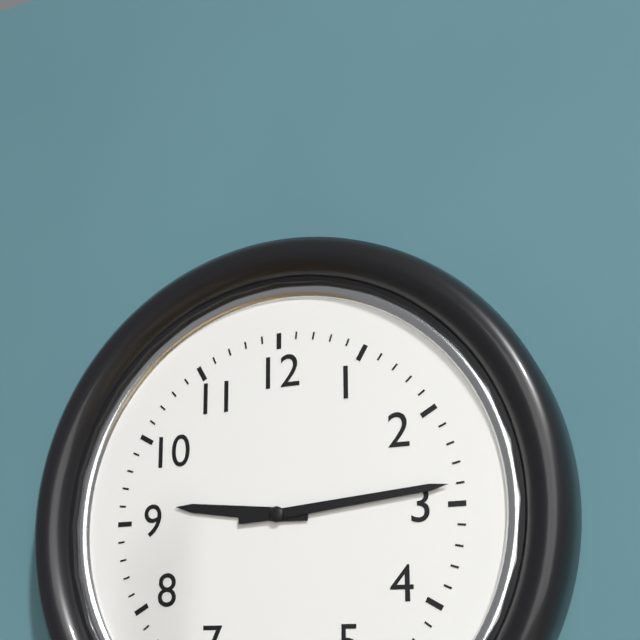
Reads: 9.14
